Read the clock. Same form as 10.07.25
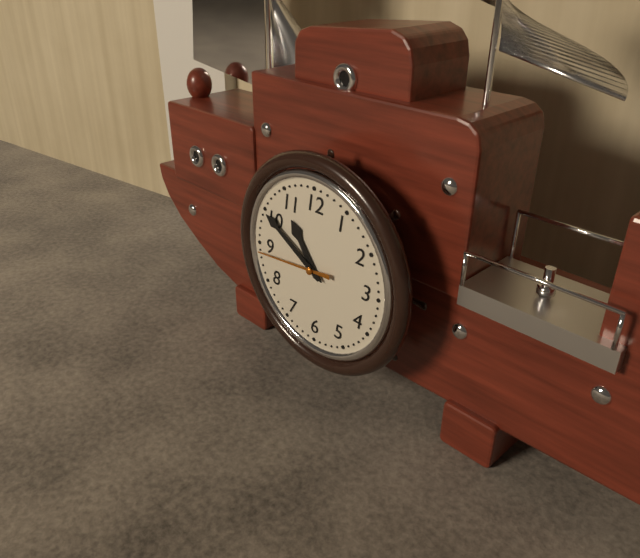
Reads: 10.50.44
